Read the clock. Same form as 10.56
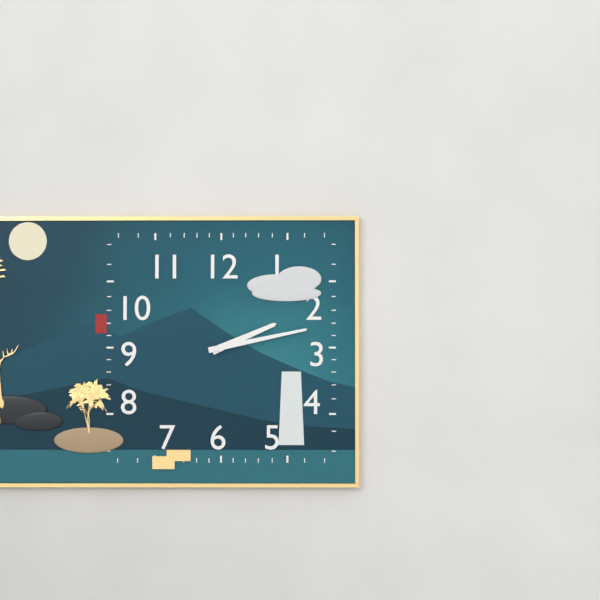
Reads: 2.13
